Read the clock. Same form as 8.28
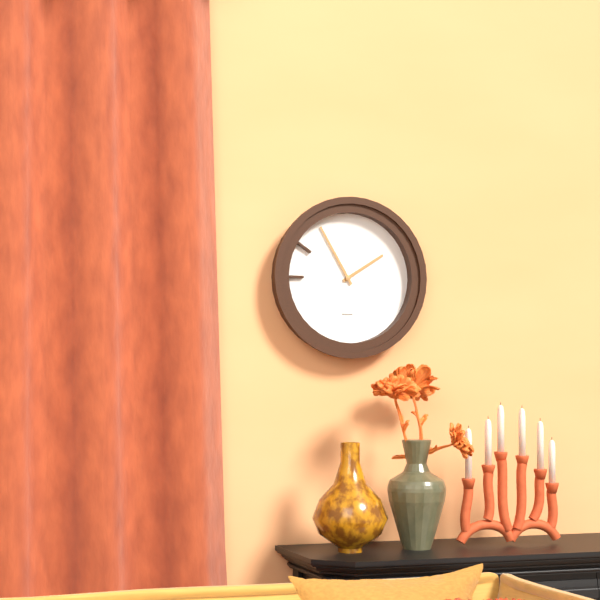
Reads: 1.55
